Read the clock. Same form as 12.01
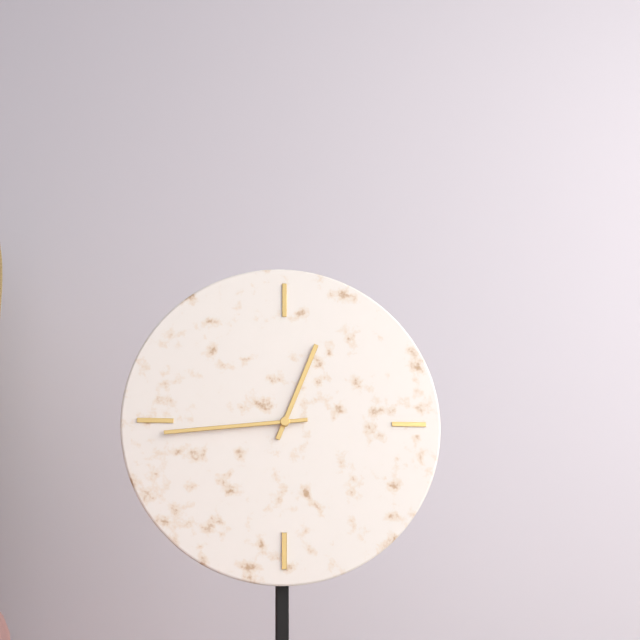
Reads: 12.44
